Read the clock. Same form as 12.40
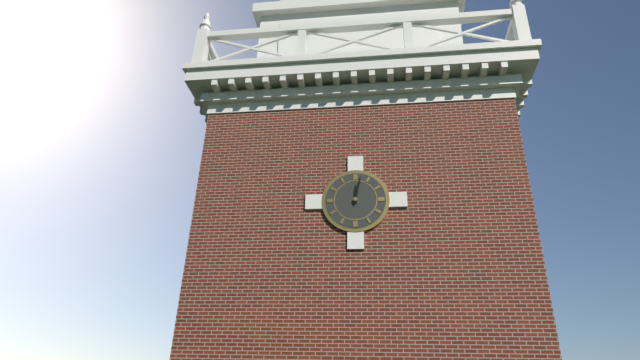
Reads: 12.02
